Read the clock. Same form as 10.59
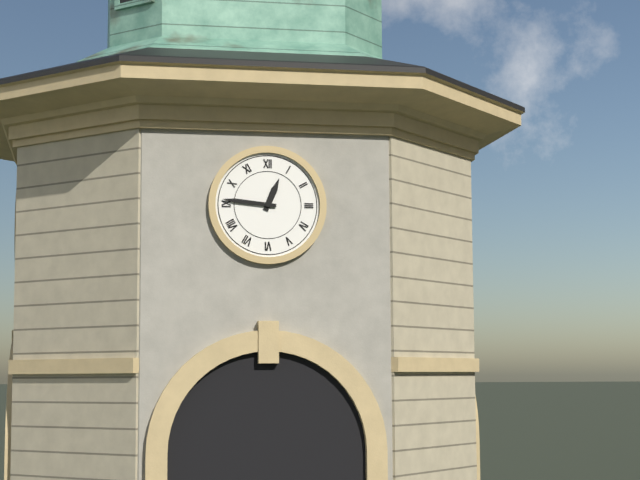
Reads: 12.46
